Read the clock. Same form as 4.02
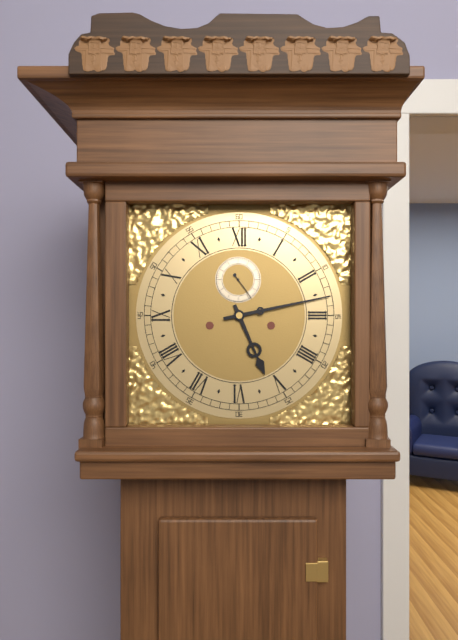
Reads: 5.13
